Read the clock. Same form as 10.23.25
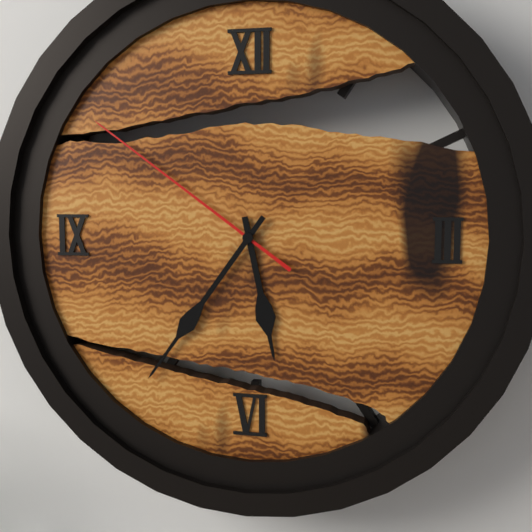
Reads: 5.36.51
